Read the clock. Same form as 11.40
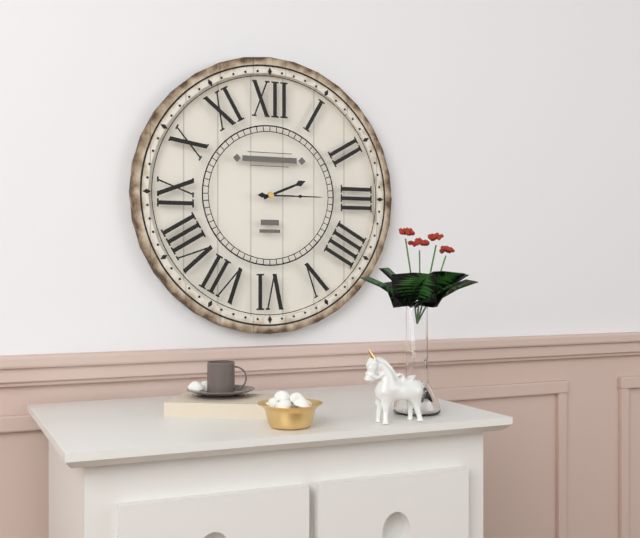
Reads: 2.15
